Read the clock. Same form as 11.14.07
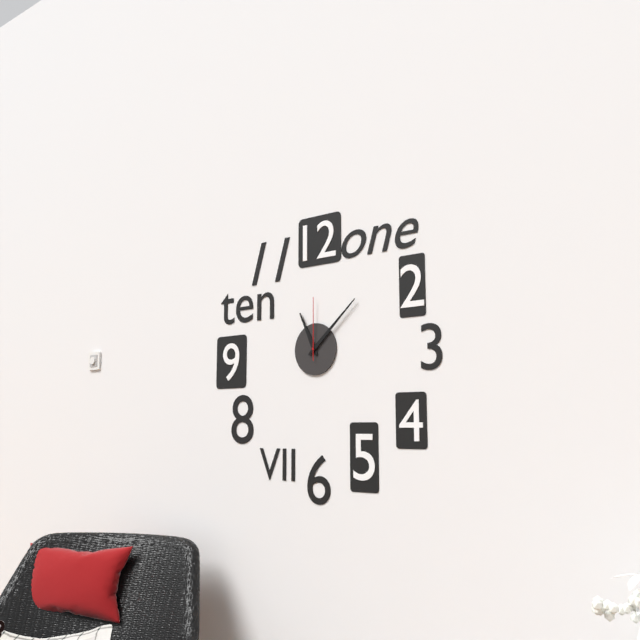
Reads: 11.08.00
